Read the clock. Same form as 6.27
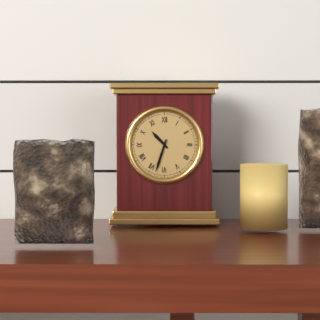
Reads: 10.33
